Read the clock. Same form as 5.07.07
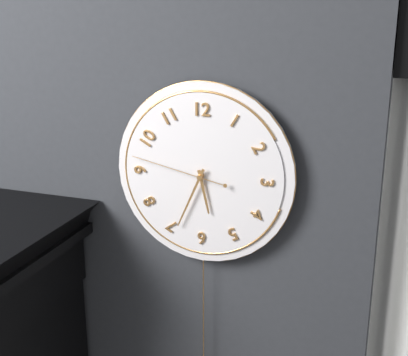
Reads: 5.34.47
